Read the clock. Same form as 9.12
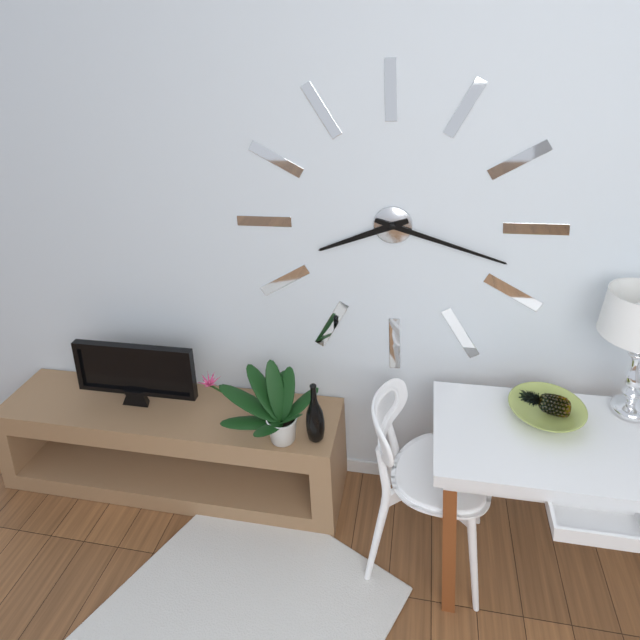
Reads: 8.18
